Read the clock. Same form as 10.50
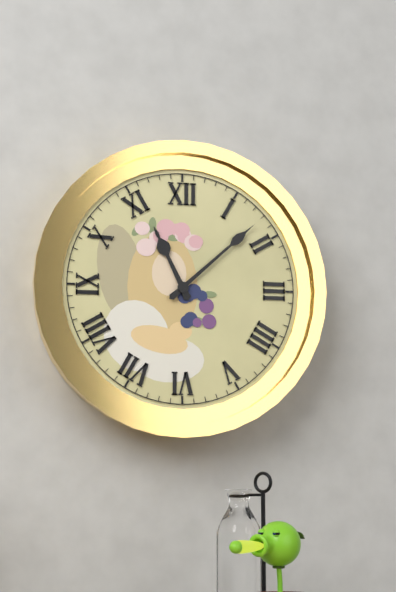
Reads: 11.08
